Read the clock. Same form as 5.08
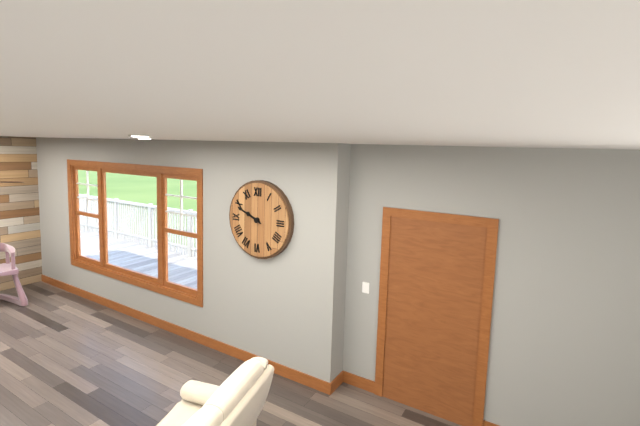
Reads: 9.49
